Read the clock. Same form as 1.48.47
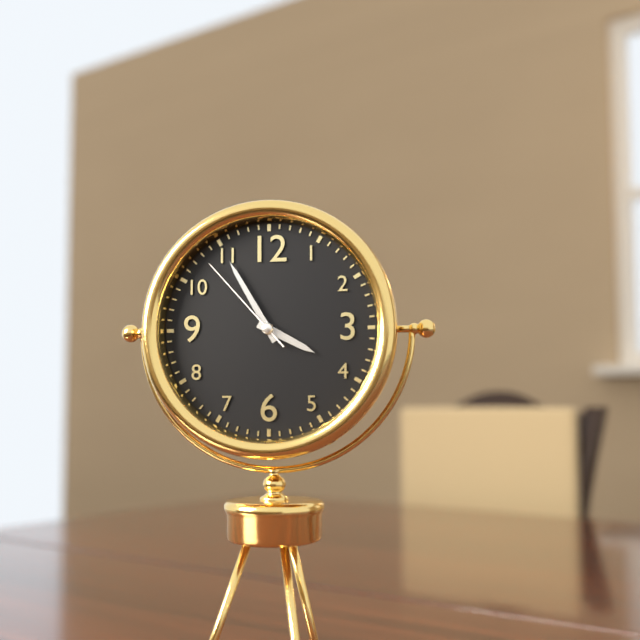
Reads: 3.55.53
